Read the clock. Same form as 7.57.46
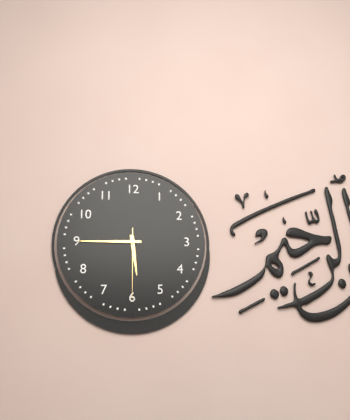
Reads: 5.45.30
